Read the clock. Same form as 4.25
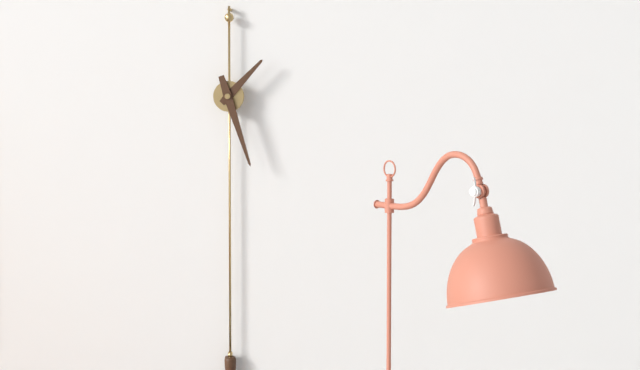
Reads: 1.27
